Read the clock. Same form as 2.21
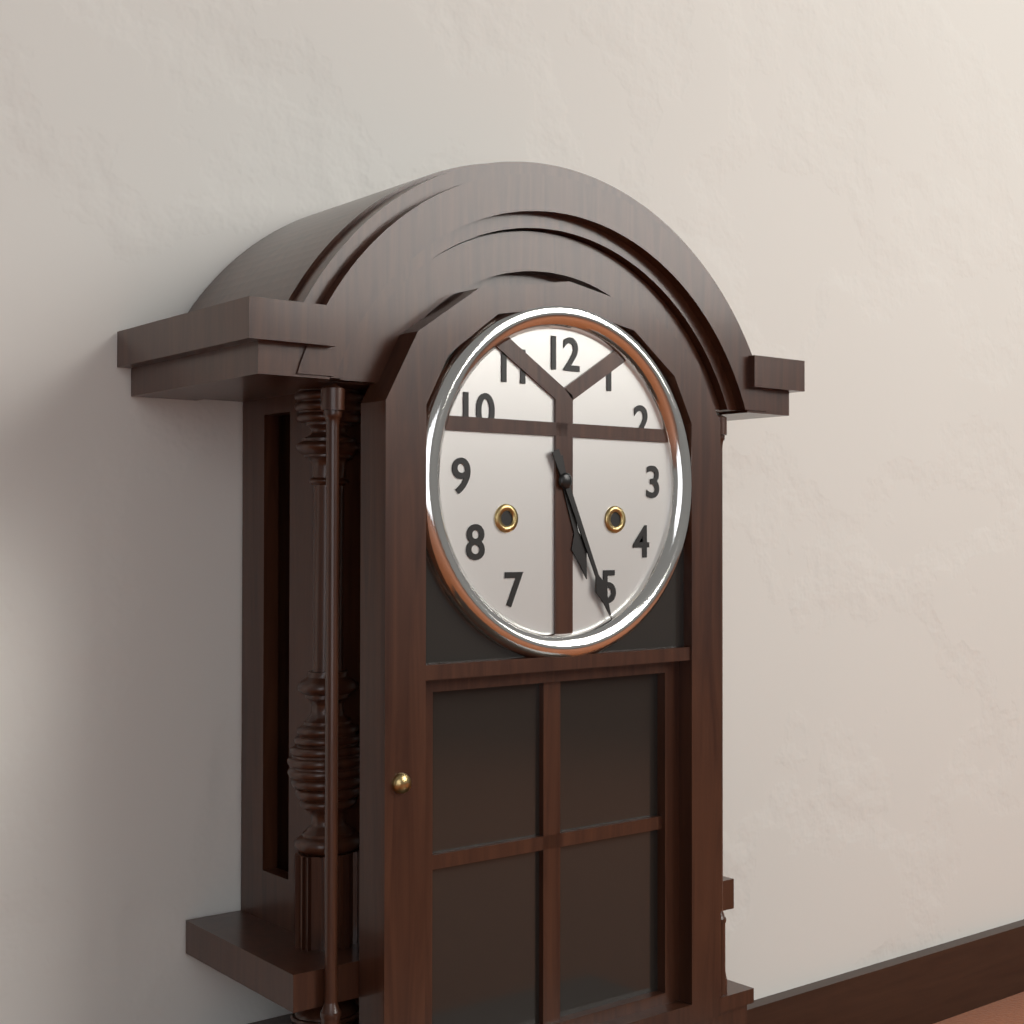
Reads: 5.26
